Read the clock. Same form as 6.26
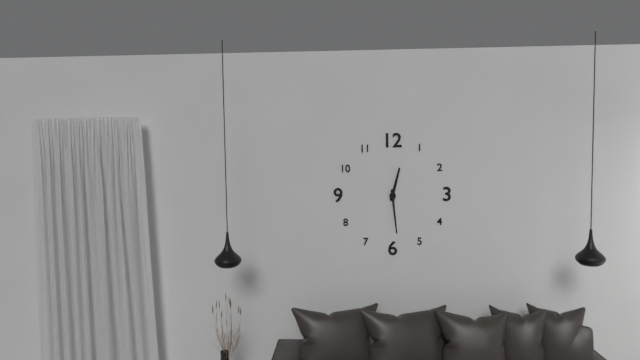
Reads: 12.29
